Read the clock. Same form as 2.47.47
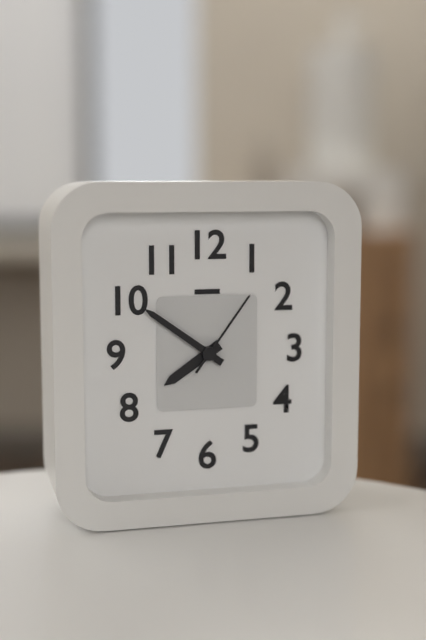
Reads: 7.51.06
